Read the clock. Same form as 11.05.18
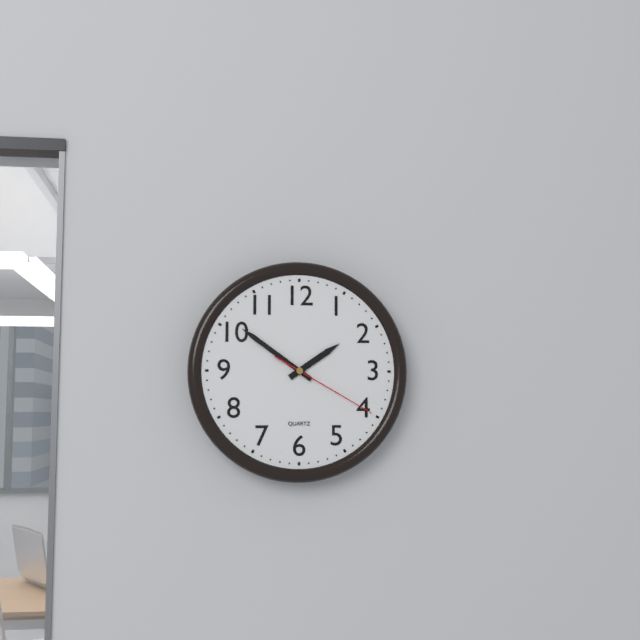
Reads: 1.51.20
